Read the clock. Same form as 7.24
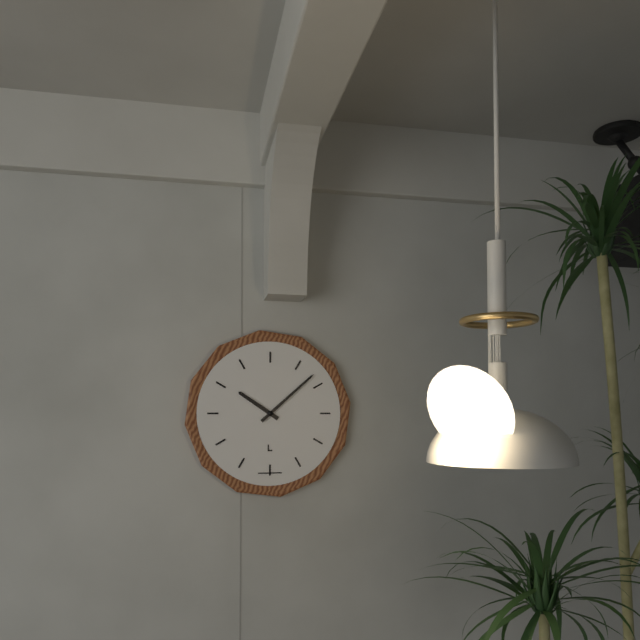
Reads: 10.08
